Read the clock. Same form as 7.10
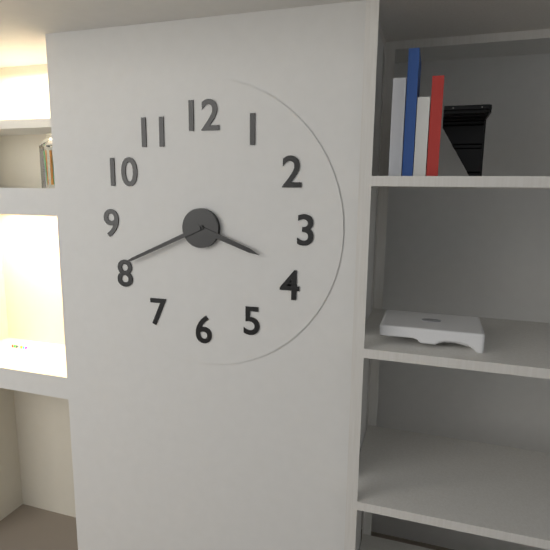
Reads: 3.41
